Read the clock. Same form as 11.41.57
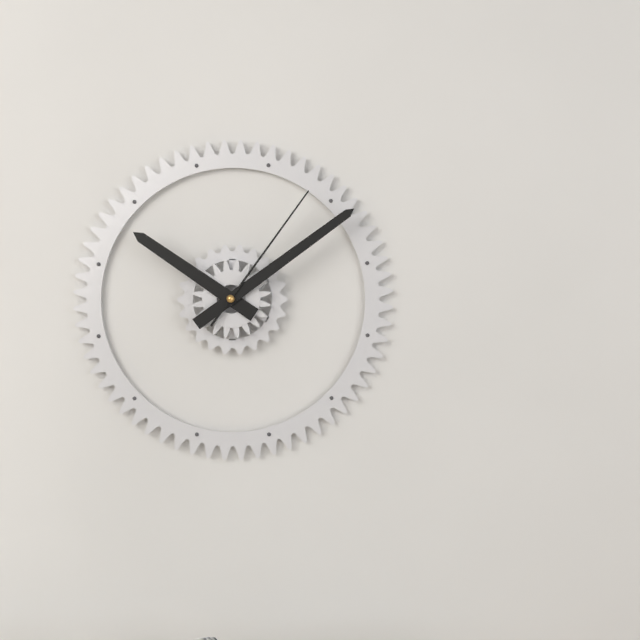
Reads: 10.09.06
